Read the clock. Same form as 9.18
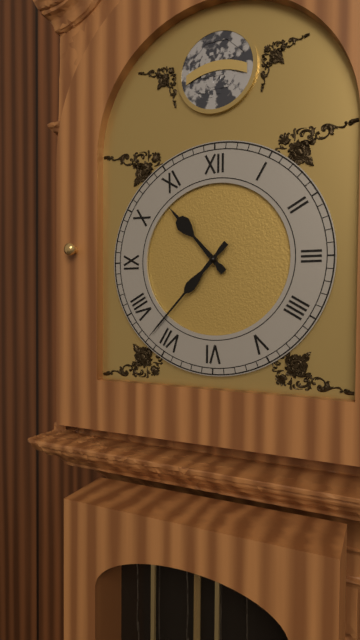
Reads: 10.37
